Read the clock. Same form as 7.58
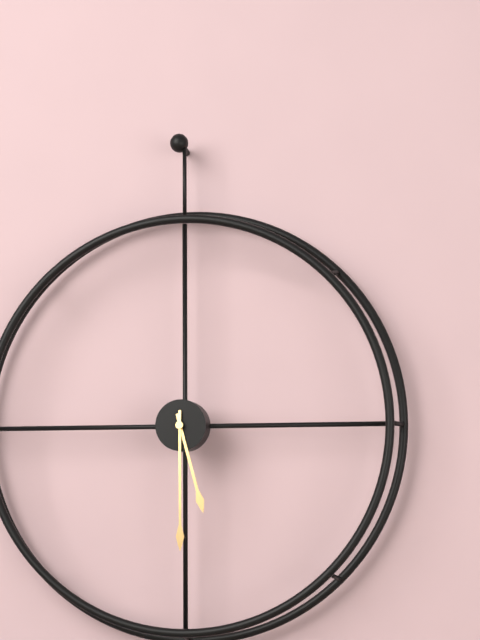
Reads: 5.30
